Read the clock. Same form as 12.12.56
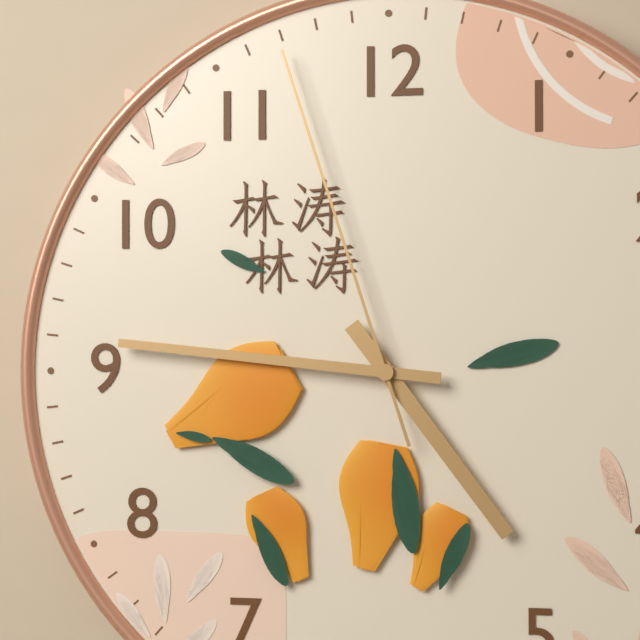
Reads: 4.46.57
